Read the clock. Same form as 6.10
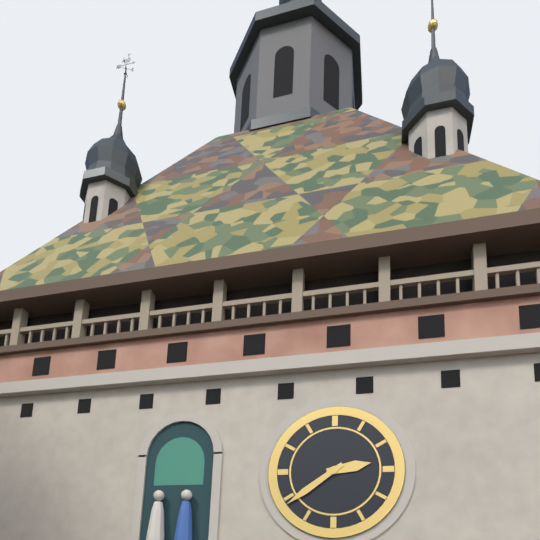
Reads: 2.39
